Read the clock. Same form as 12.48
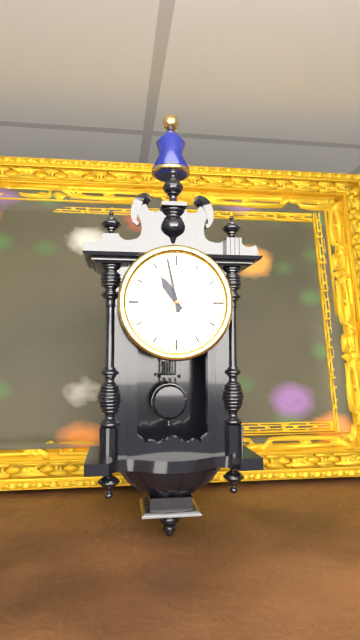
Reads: 10.58
